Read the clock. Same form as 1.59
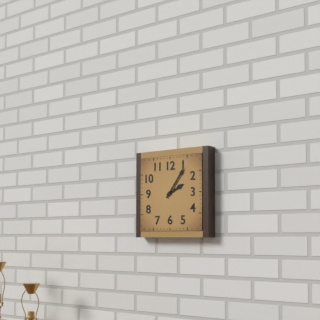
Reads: 2.06
